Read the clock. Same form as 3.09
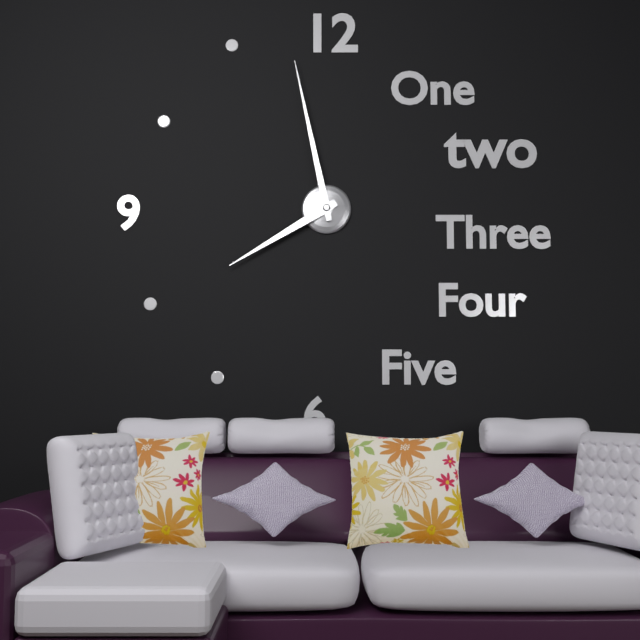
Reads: 7.58
